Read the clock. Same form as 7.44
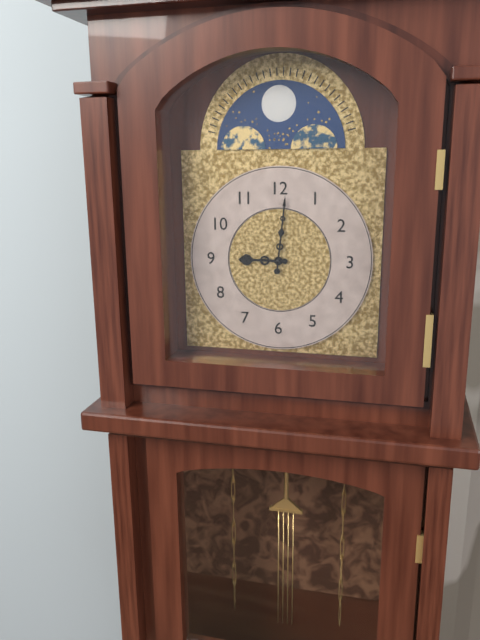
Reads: 9.01
